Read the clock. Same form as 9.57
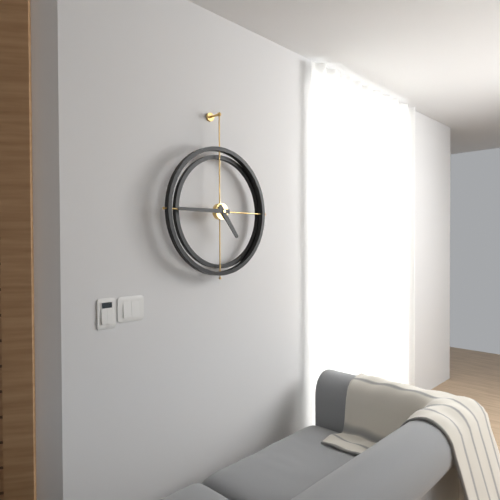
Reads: 4.45
